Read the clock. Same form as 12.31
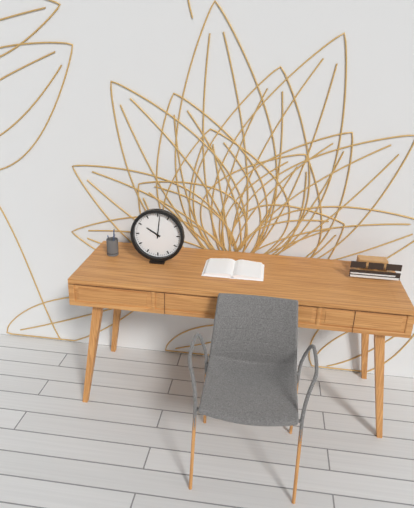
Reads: 10.01
